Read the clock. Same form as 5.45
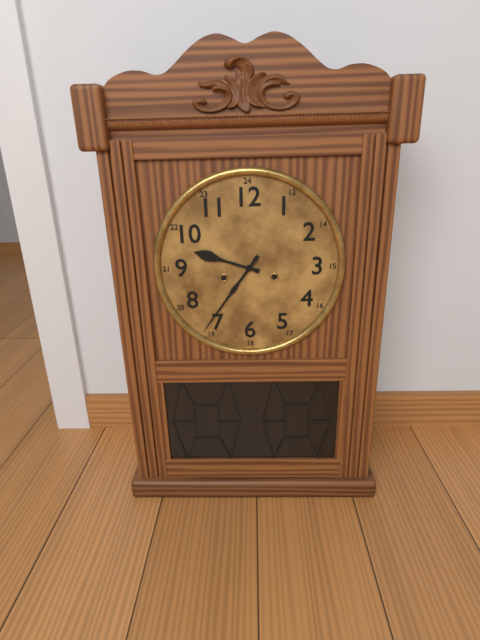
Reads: 9.36
